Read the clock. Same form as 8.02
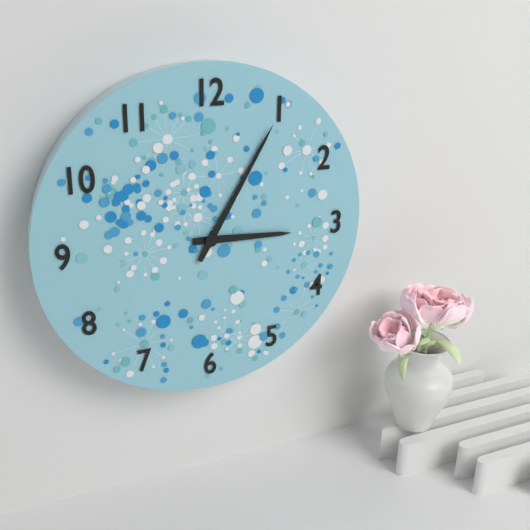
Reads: 3.05
